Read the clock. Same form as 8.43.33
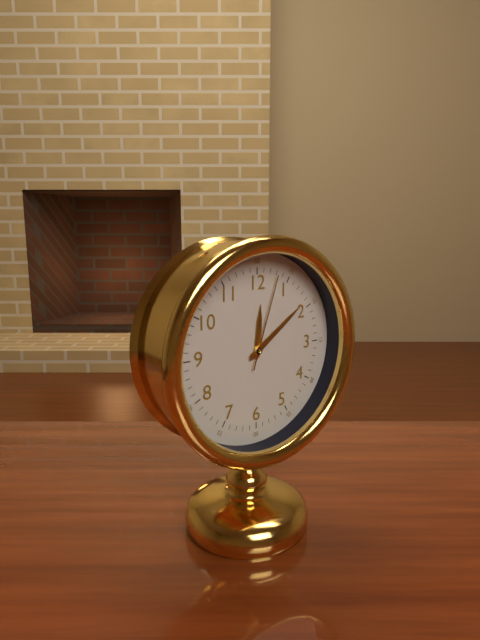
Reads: 12.09.03
